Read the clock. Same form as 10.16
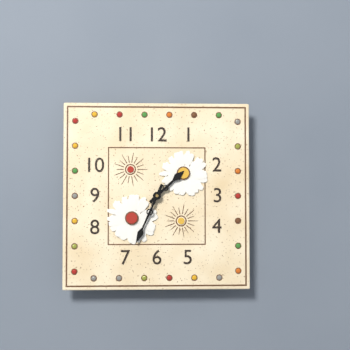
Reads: 1.34
